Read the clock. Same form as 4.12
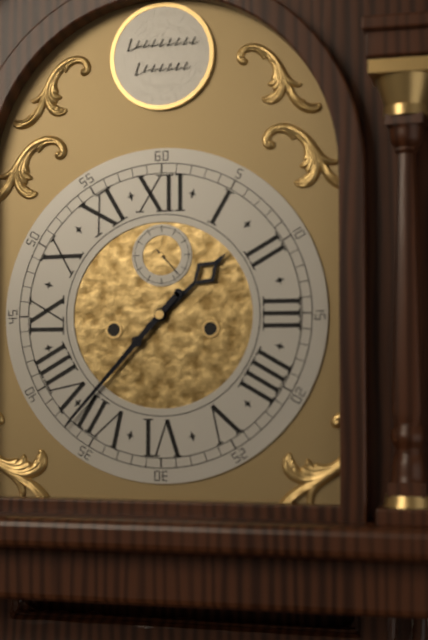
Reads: 1.37
